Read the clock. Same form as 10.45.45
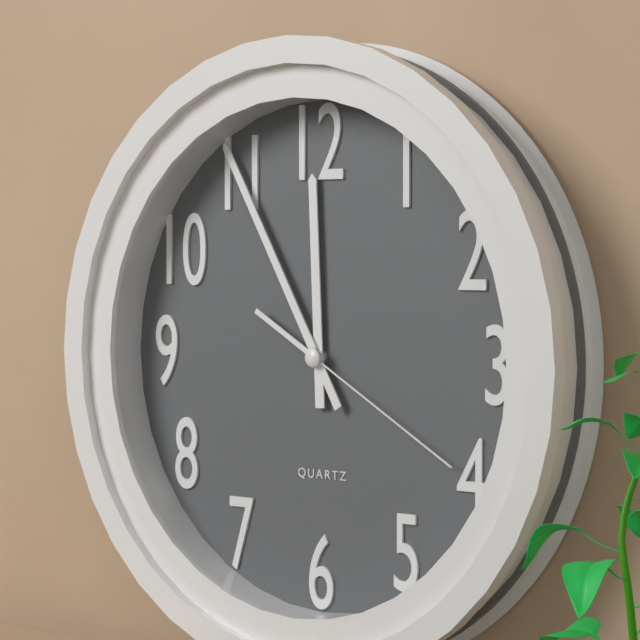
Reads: 11.55.20
